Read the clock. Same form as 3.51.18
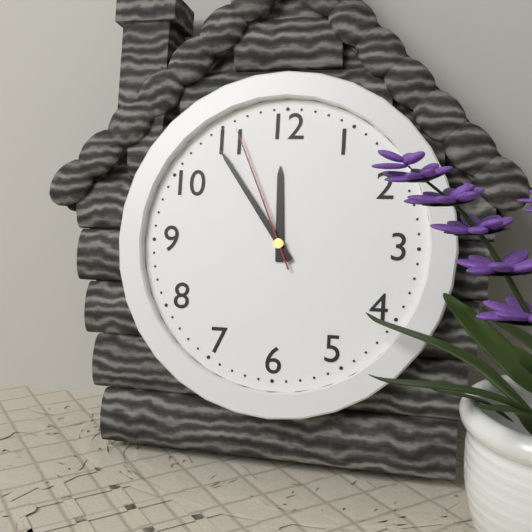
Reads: 11.54.56
